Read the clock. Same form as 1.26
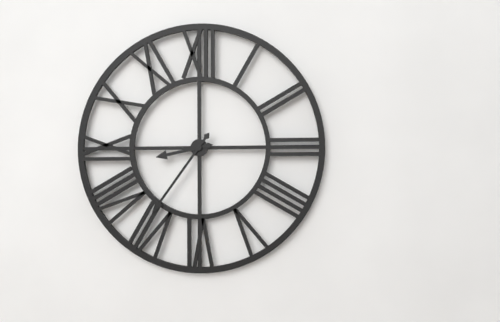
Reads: 8.36
